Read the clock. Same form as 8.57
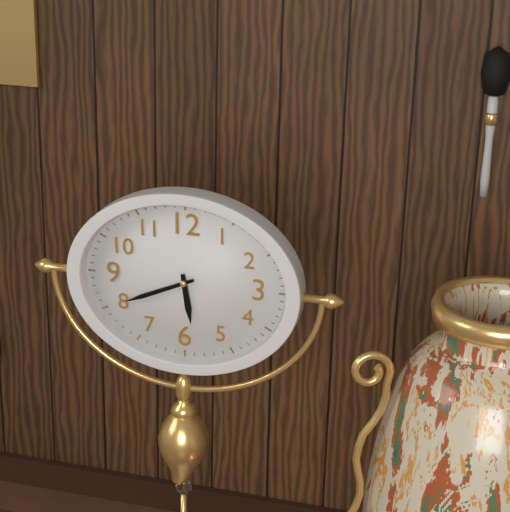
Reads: 5.41
